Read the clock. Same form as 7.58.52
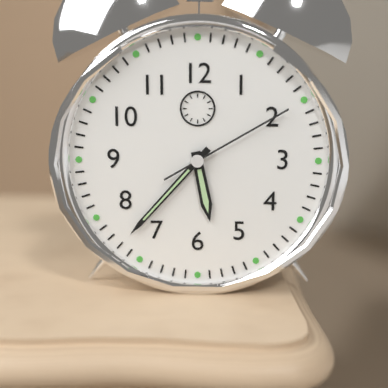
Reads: 5.37.10
